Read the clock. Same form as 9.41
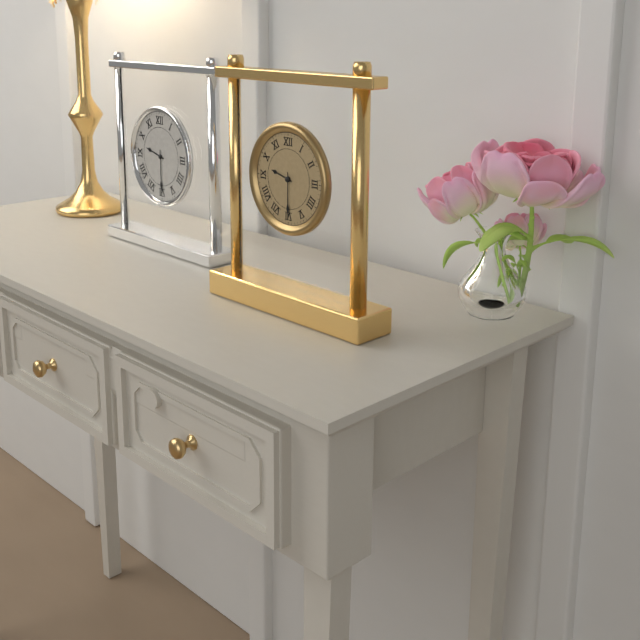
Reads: 9.30
